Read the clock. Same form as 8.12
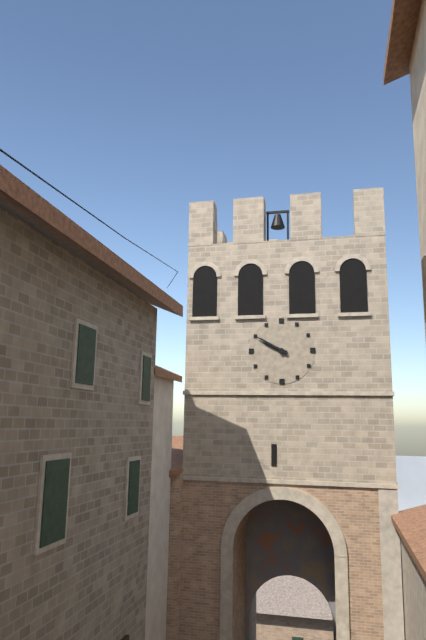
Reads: 9.50
